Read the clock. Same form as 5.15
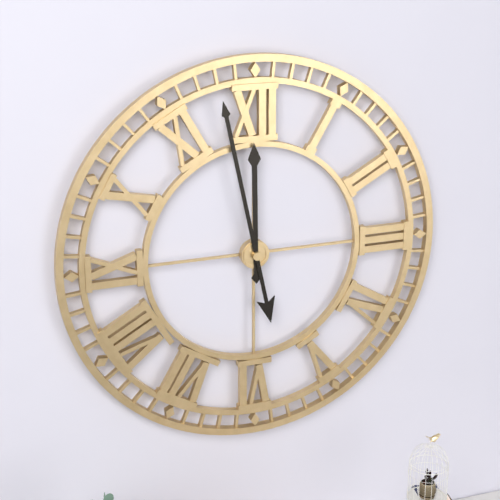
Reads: 11.58
